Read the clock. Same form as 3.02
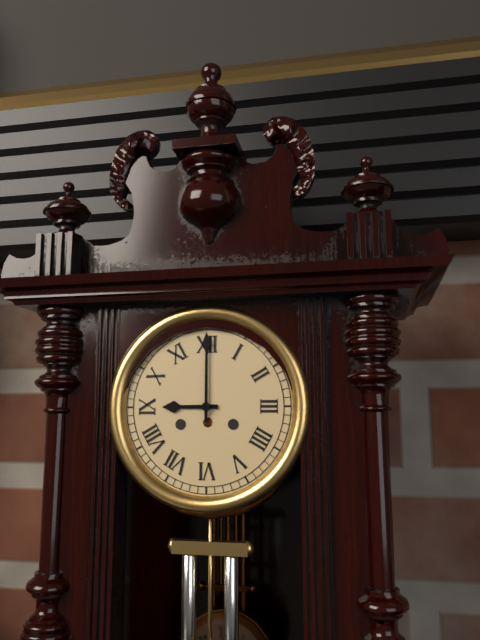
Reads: 9.00
